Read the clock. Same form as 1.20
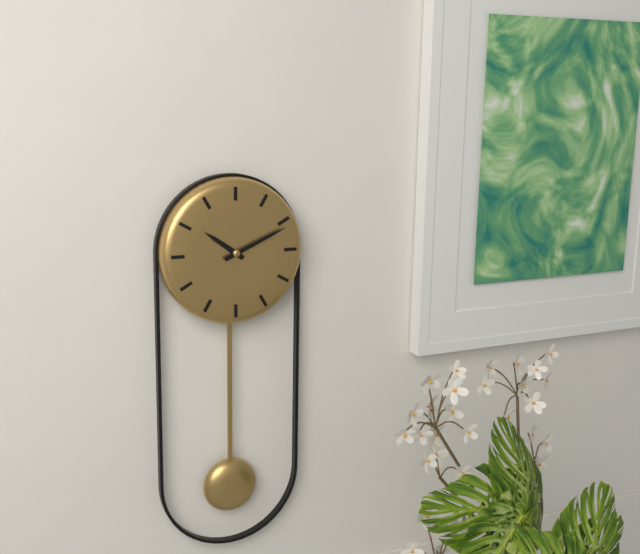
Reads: 10.11
